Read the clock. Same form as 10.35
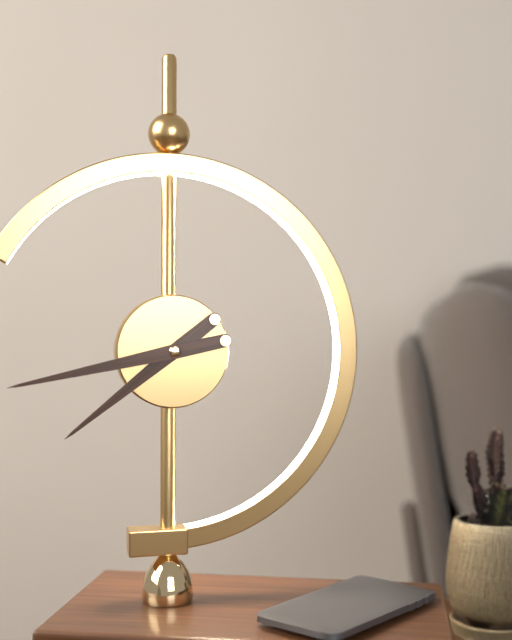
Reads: 7.43
